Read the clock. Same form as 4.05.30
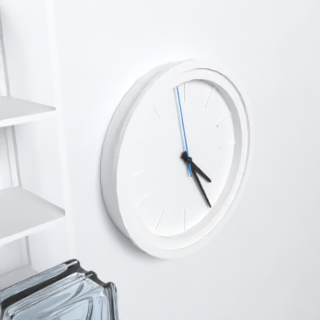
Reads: 4.25.58
